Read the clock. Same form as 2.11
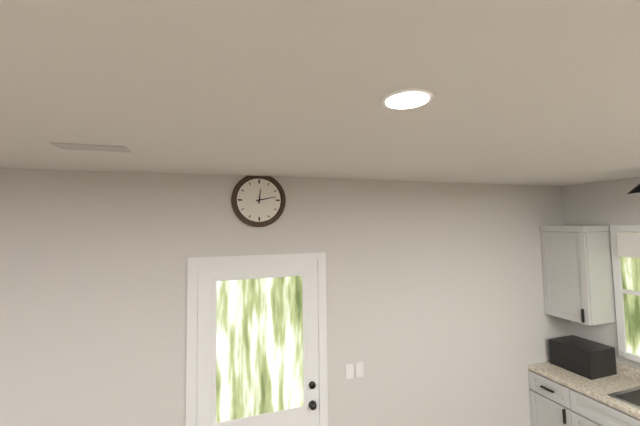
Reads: 12.13
